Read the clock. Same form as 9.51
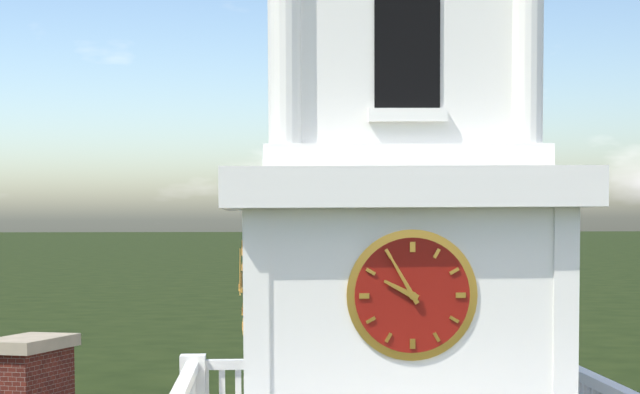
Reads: 9.55
